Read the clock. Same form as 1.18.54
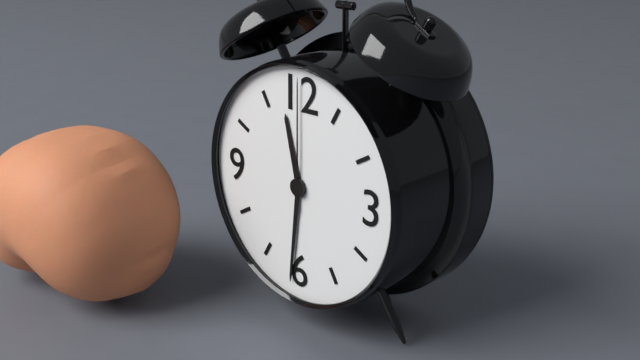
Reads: 11.31.00
